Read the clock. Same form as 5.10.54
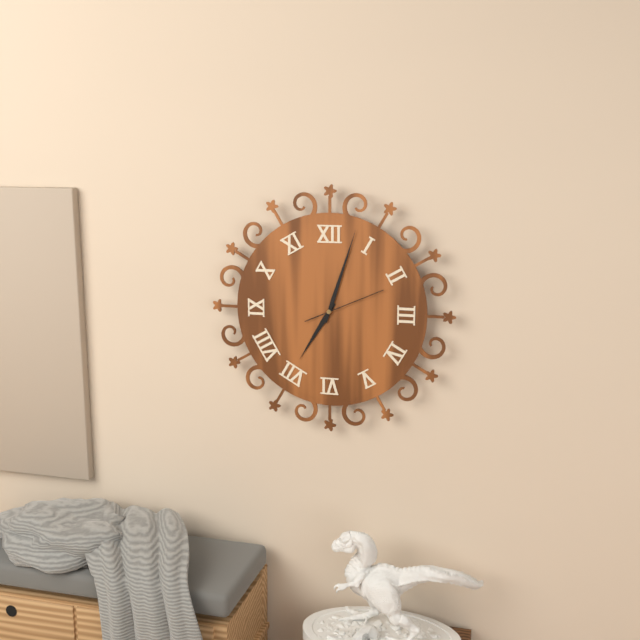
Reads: 7.03.11
